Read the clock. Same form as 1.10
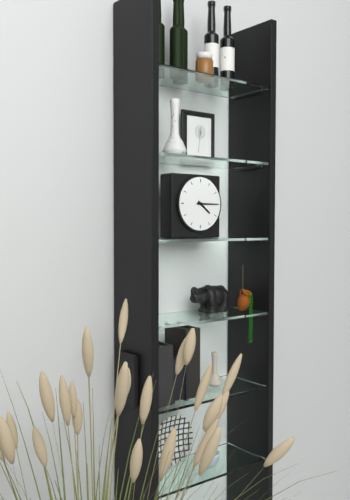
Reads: 4.15
